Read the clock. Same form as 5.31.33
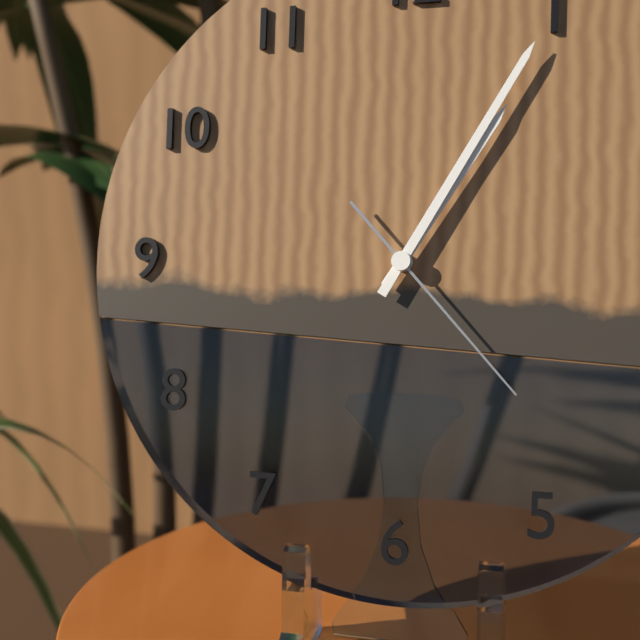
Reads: 1.05.23
